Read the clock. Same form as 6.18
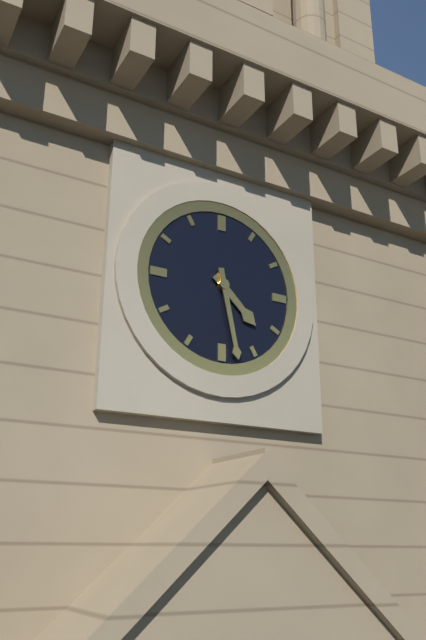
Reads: 4.28
